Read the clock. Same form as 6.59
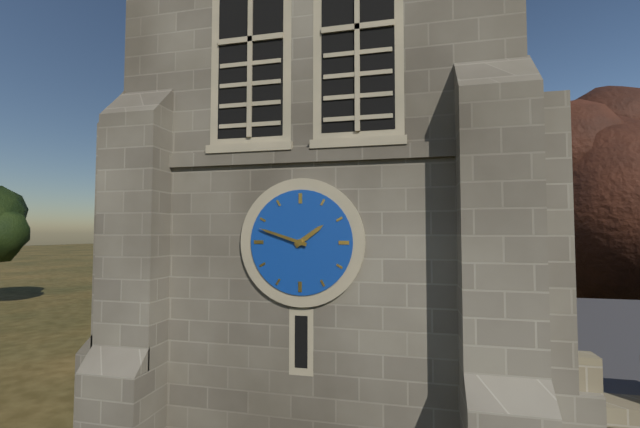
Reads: 1.48
